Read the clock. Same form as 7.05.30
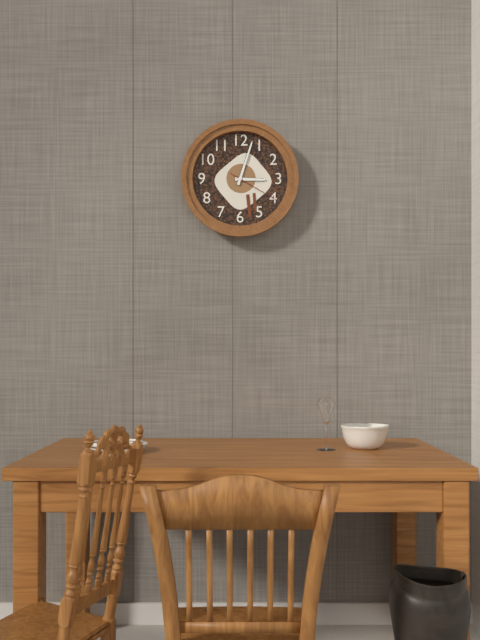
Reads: 3.03.20
